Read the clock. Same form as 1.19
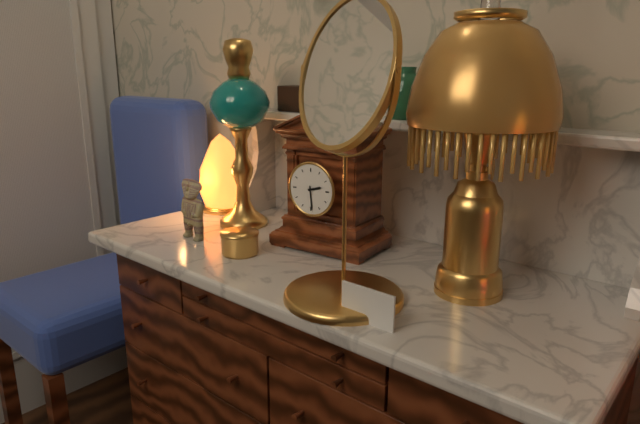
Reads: 2.29
